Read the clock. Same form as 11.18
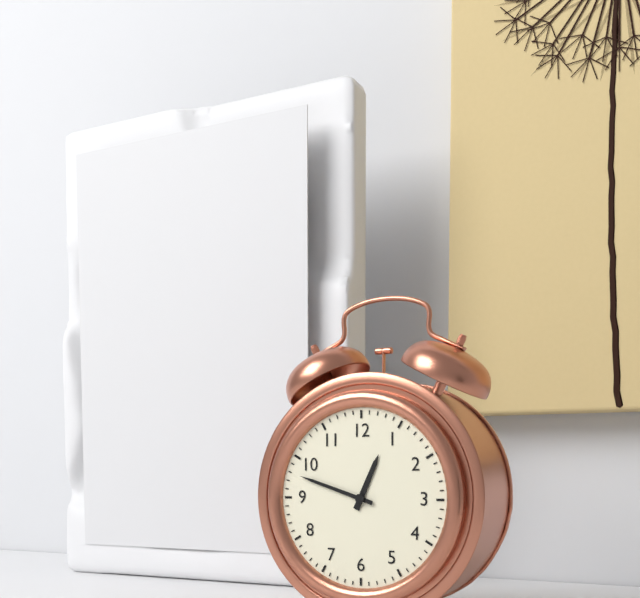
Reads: 12.48
